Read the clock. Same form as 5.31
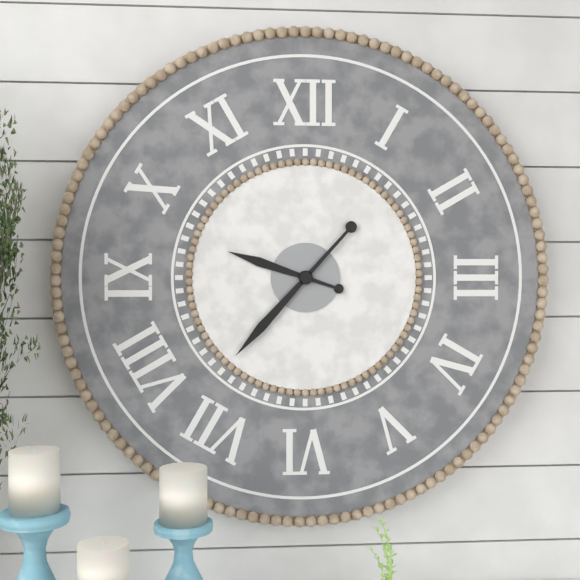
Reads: 9.37
